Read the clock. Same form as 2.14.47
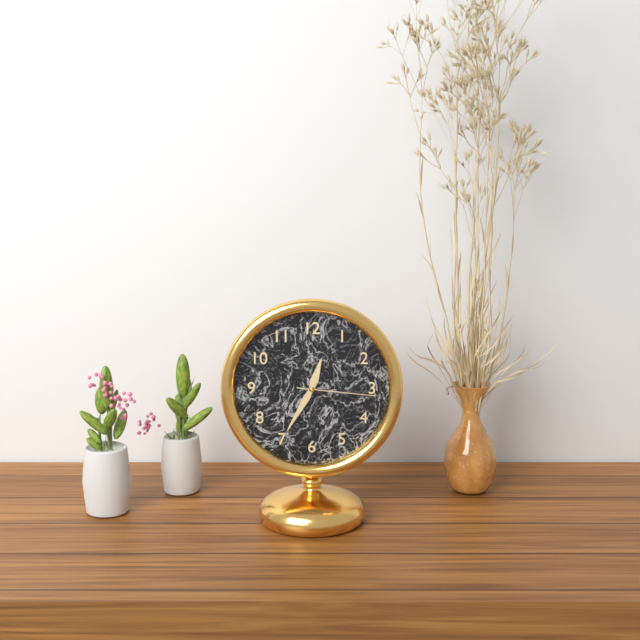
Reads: 12.35.16
